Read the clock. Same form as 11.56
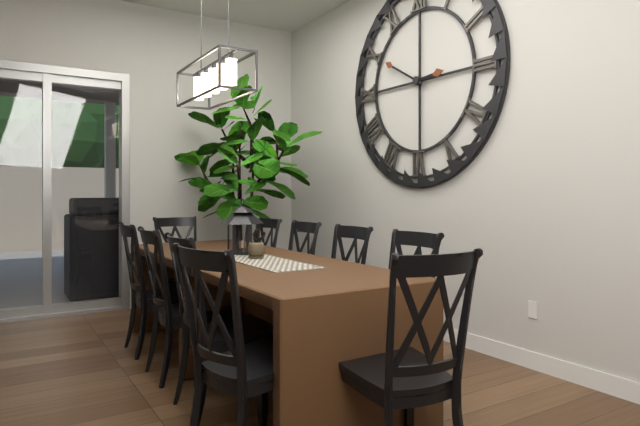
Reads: 2.50
